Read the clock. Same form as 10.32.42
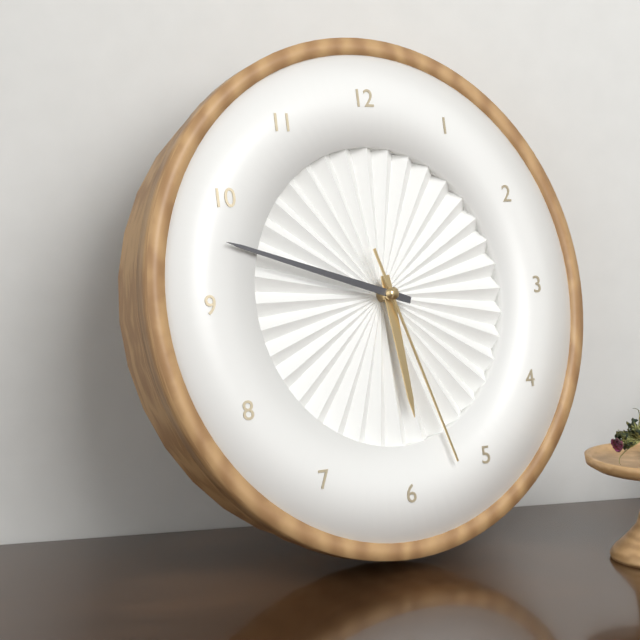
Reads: 5.48.27
